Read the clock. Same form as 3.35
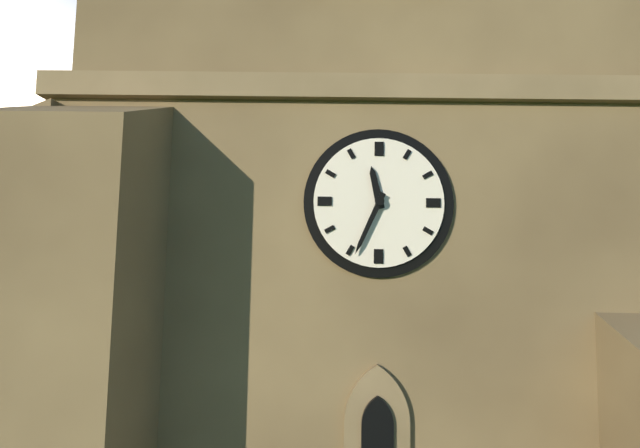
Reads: 11.34
